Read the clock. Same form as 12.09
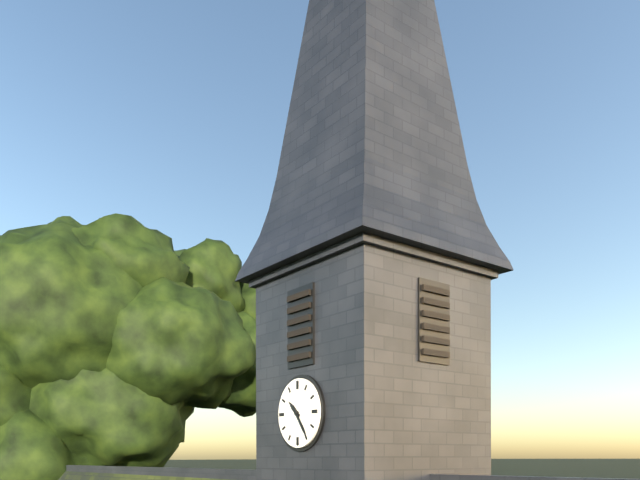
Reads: 10.24
